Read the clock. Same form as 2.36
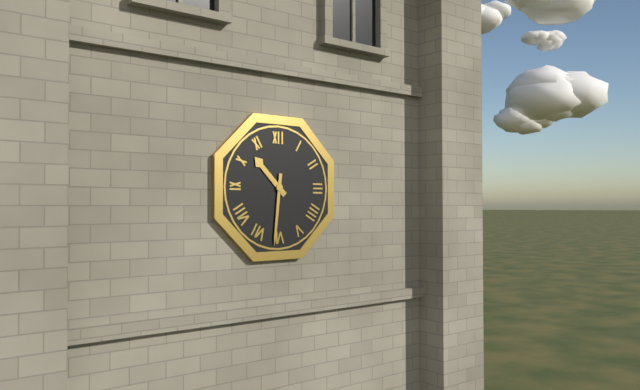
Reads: 10.31
